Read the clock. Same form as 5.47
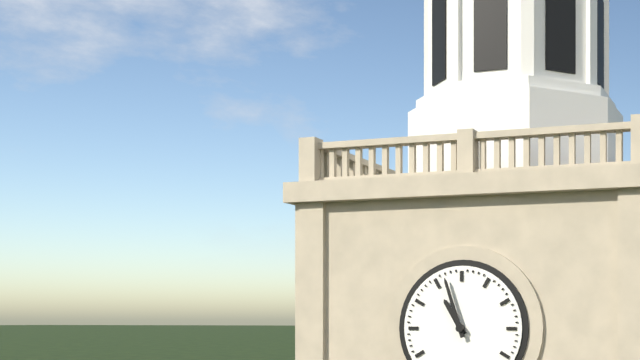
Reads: 10.57
